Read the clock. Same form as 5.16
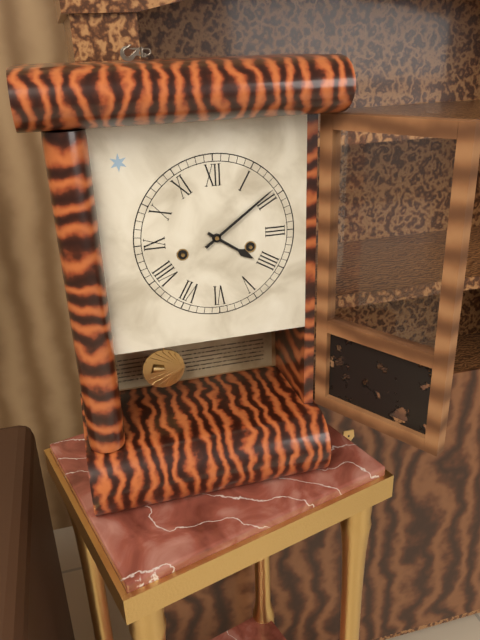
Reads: 4.09
